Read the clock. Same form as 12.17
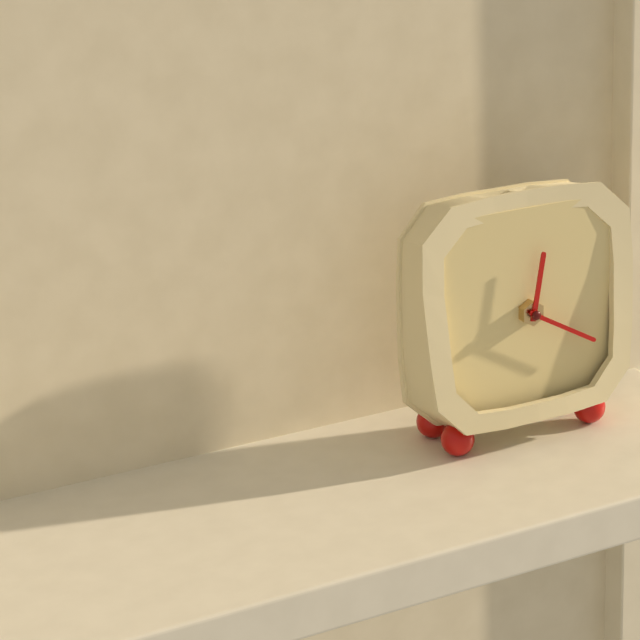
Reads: 12.20
